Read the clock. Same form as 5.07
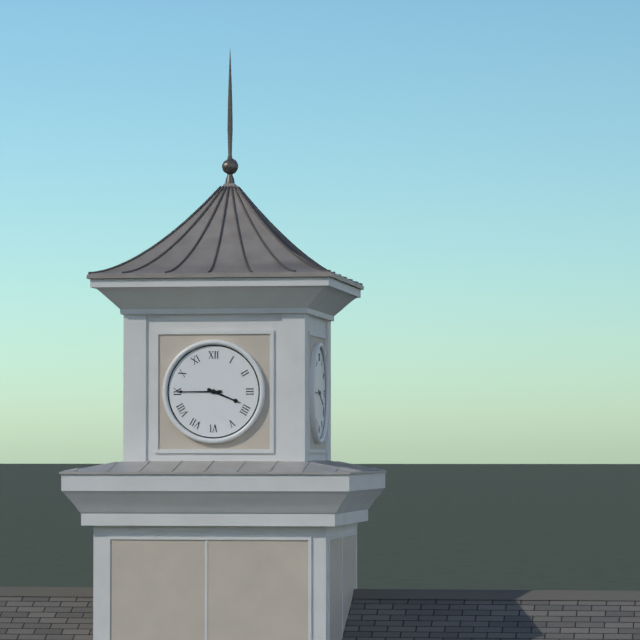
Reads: 3.45
